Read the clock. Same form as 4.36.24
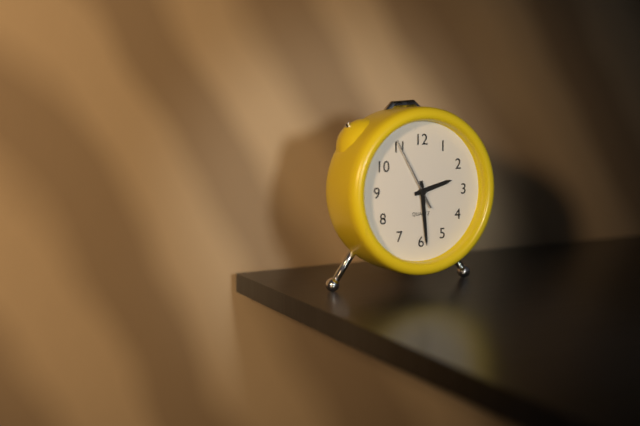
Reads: 2.29.55
